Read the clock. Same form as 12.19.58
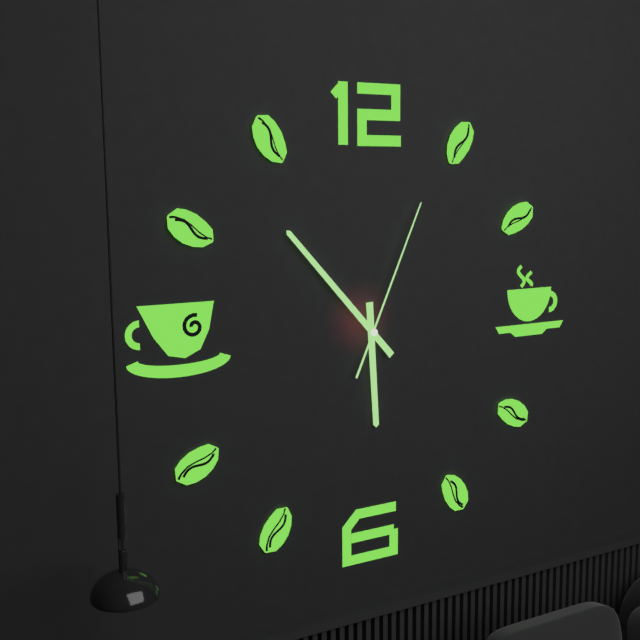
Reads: 5.53.04
